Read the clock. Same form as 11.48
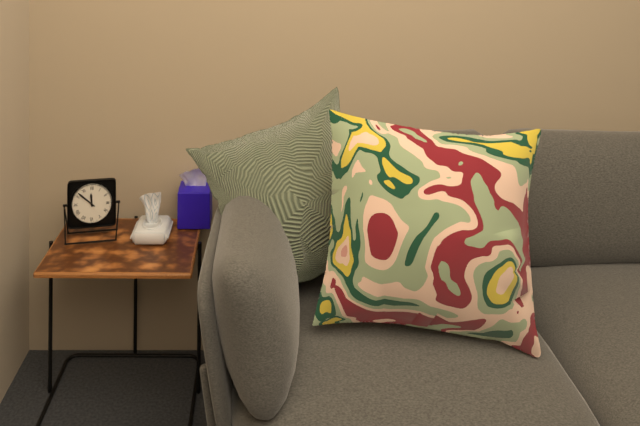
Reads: 11.52
